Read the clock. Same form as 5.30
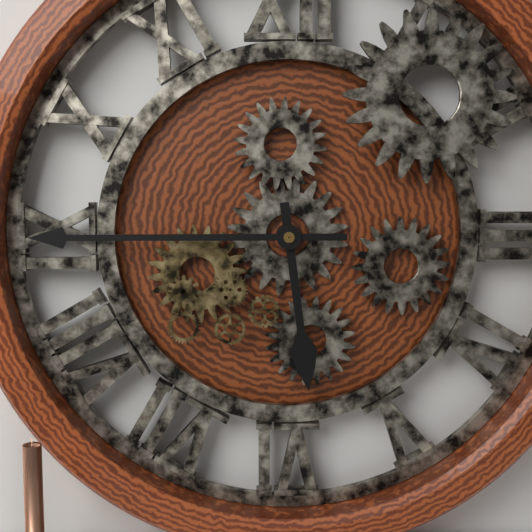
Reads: 5.45
